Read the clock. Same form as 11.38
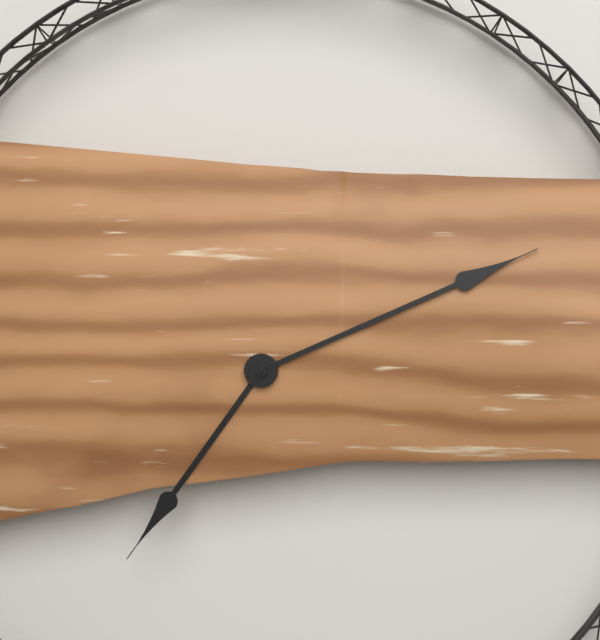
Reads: 7.11
